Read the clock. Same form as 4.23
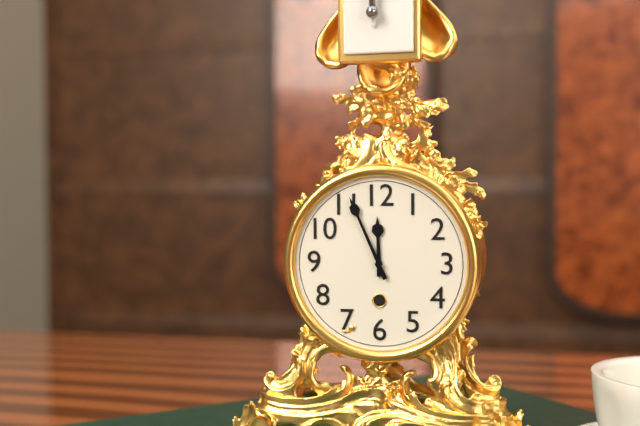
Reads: 11.56
